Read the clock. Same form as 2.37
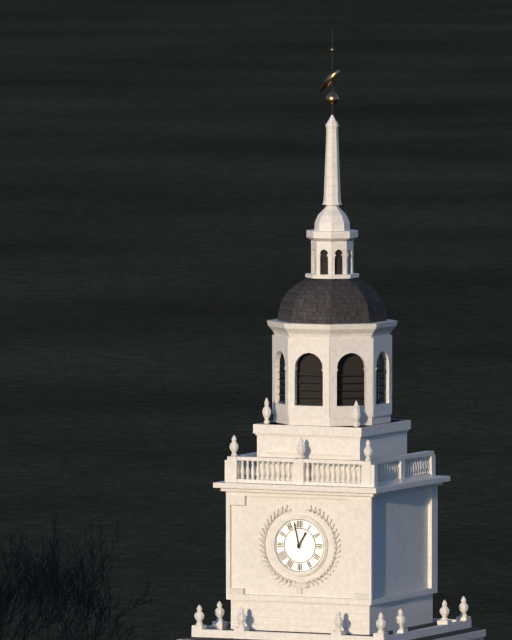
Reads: 12.58
